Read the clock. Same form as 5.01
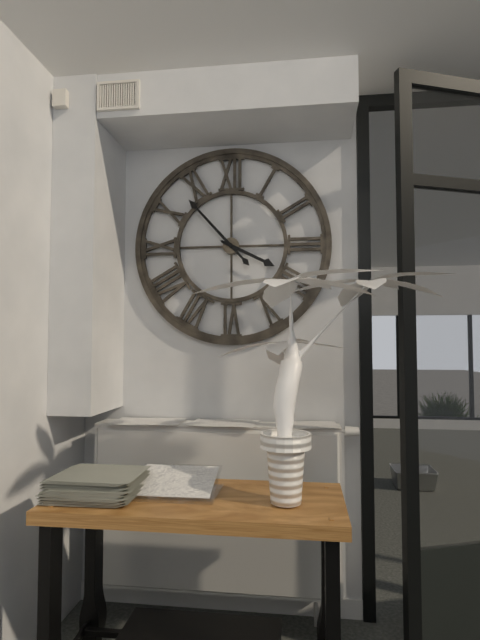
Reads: 3.53
